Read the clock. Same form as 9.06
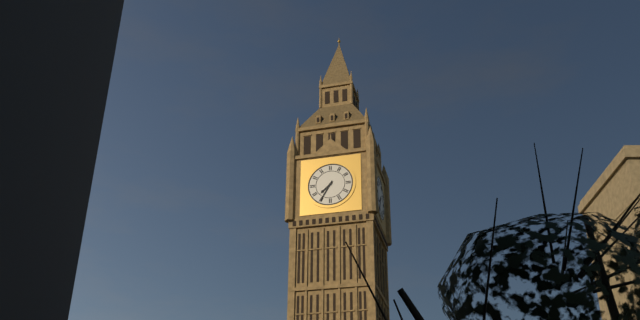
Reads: 7.35
